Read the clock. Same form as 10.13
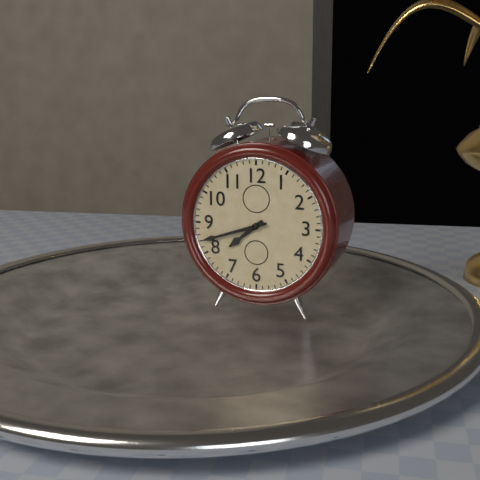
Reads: 7.42
